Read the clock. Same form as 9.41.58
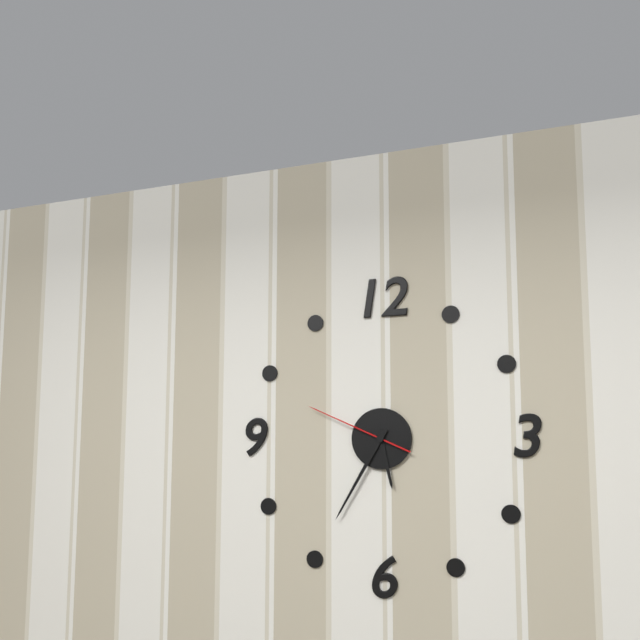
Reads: 5.35.49
